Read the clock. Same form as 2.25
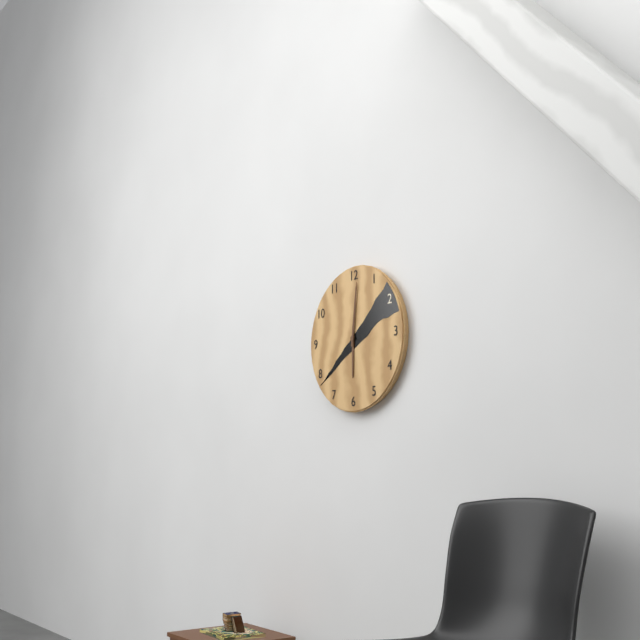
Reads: 6.01
